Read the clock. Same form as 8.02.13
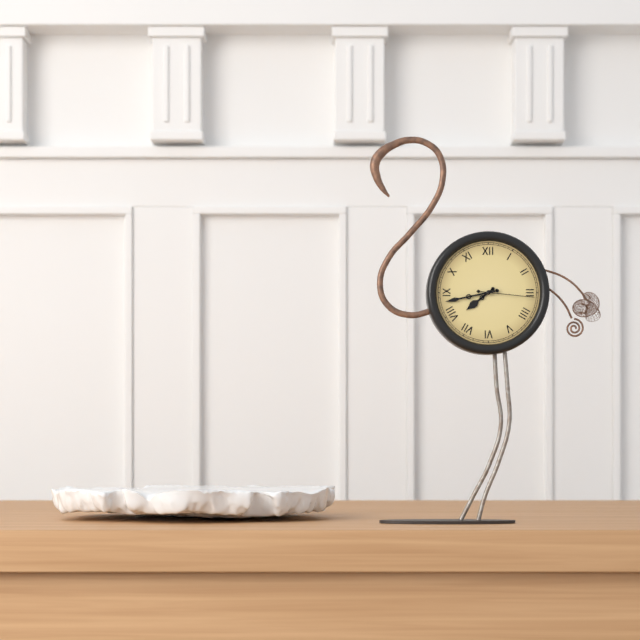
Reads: 7.43.16
